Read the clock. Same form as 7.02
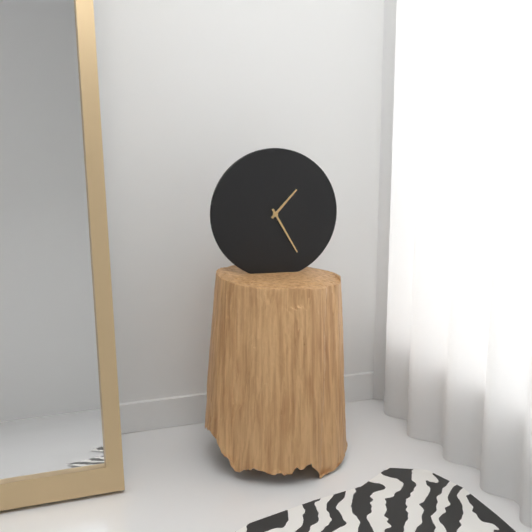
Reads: 1.25
